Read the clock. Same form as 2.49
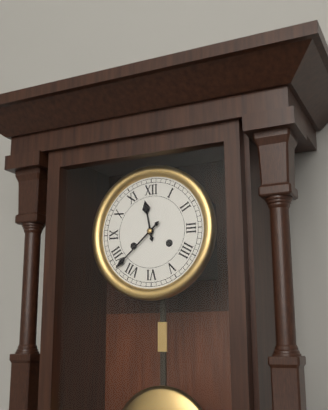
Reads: 11.38
